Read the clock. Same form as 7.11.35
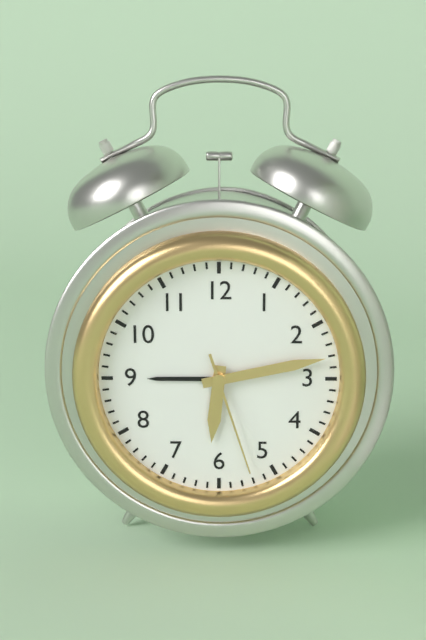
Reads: 6.13.27
